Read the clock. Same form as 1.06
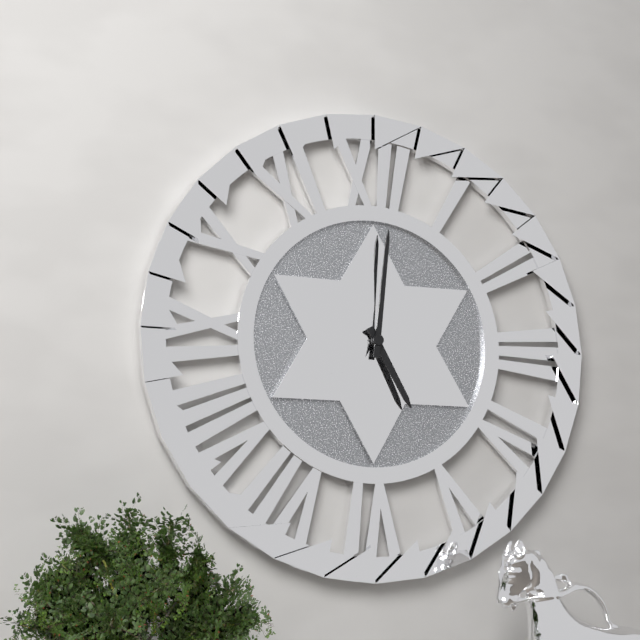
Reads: 5.01
